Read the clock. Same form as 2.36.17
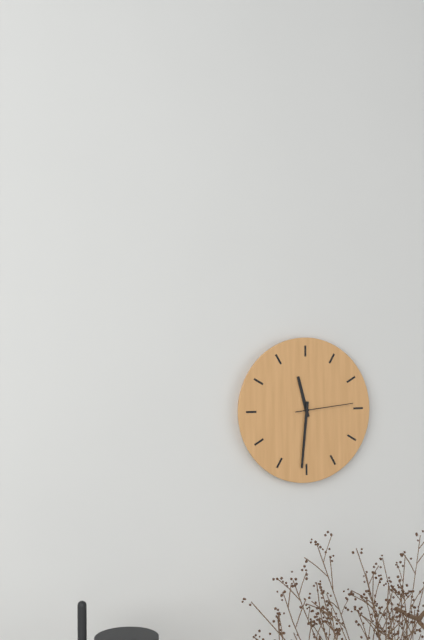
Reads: 11.31.14
